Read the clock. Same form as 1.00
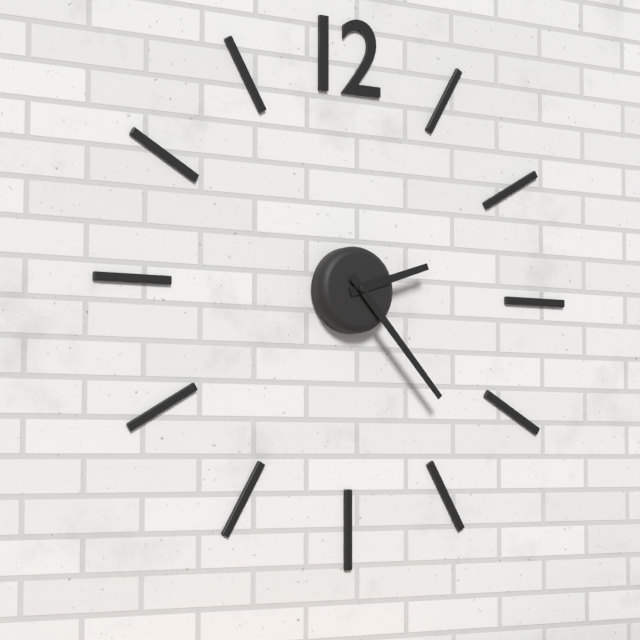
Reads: 2.23
